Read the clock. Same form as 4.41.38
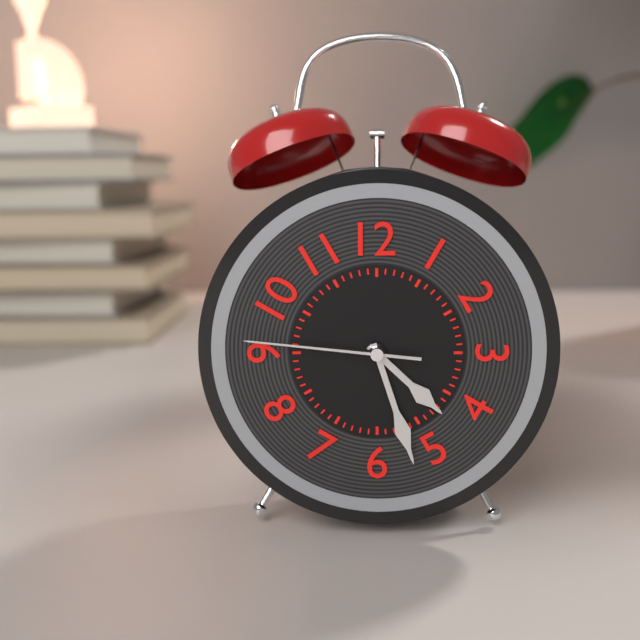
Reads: 4.27.46
